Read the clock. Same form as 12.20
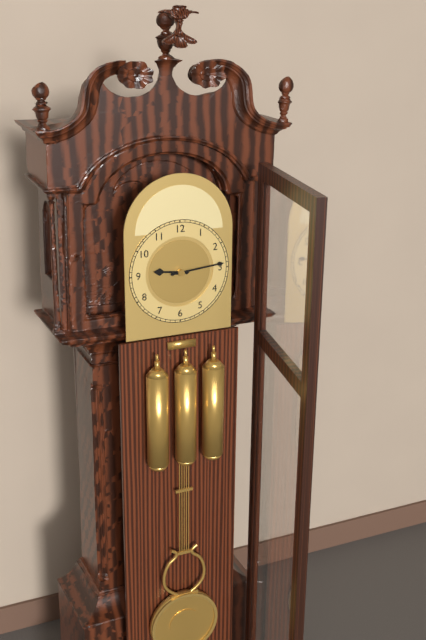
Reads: 9.14
